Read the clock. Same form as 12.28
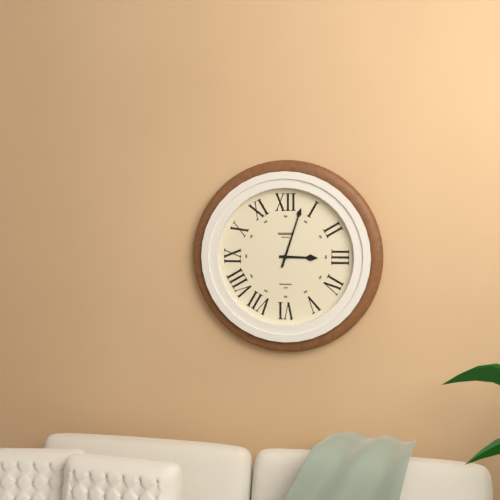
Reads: 3.03
